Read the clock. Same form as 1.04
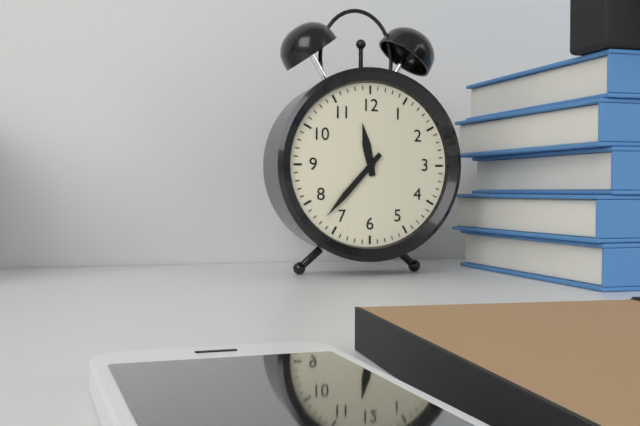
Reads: 11.37
